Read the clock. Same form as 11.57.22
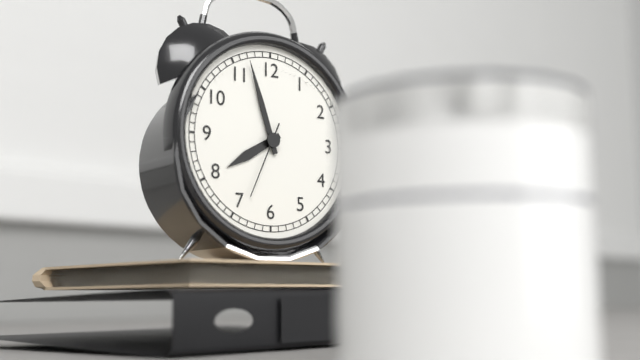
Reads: 7.57.34
